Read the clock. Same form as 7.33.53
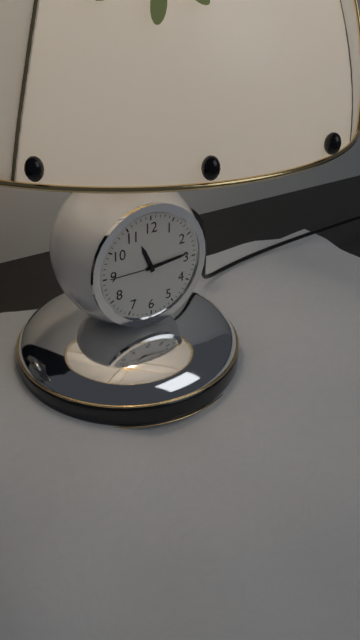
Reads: 11.14.45
